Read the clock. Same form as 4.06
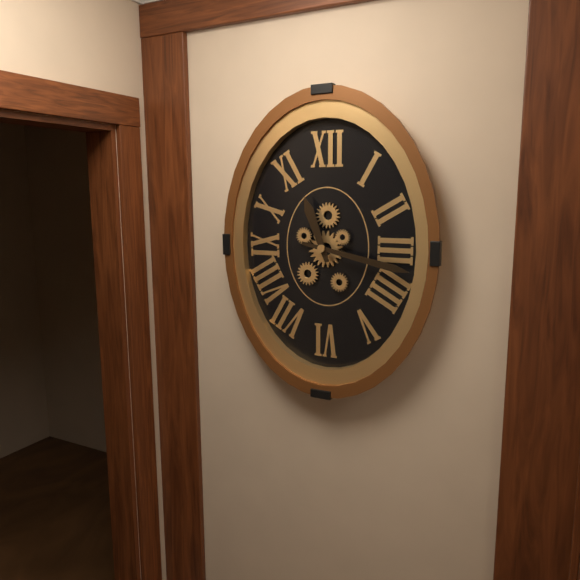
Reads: 11.17
